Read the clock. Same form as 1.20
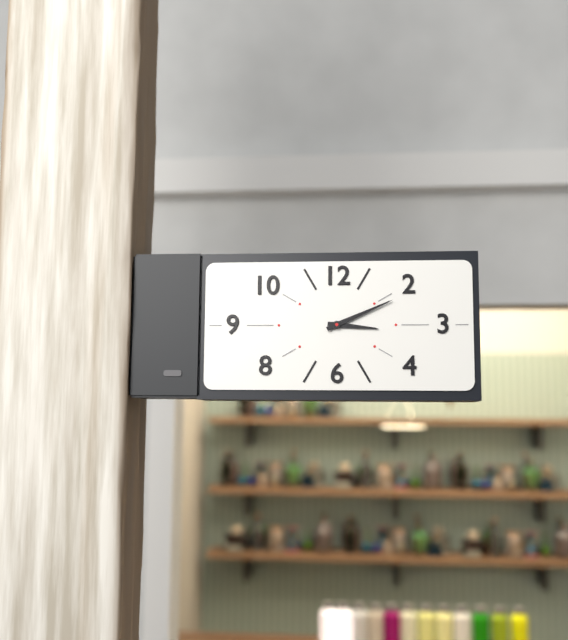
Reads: 3.11
